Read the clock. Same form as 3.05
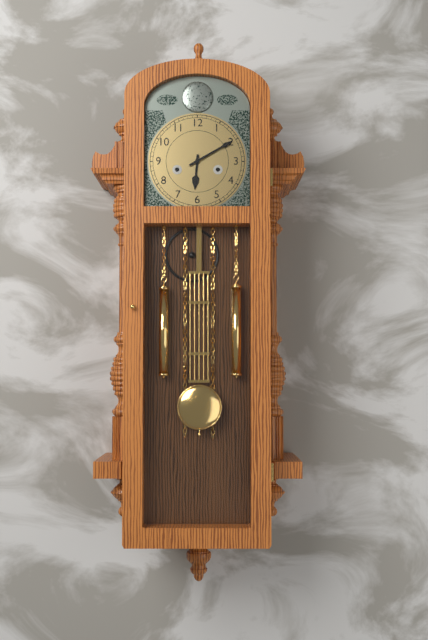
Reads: 6.10
